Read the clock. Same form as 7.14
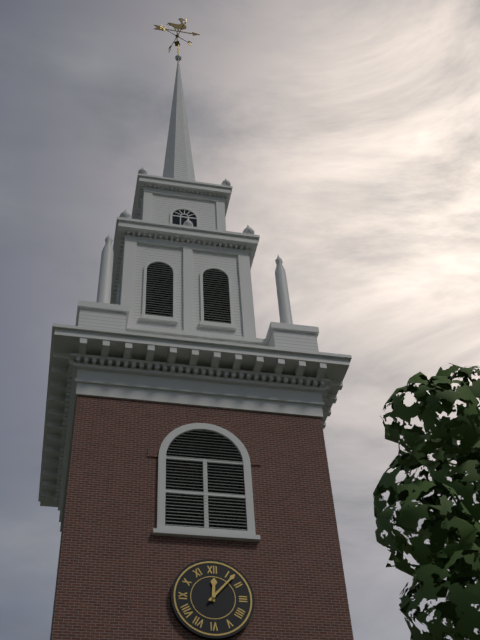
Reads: 12.07
